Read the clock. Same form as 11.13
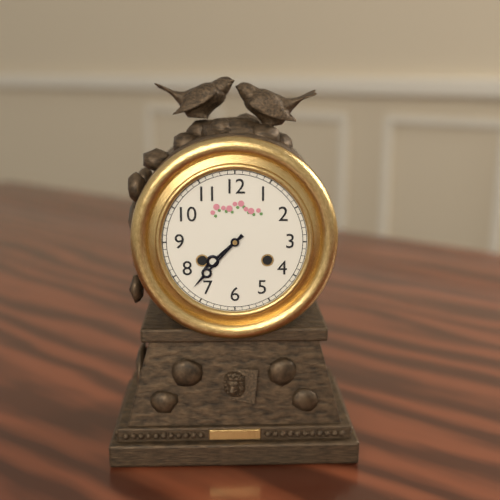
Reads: 7.37
